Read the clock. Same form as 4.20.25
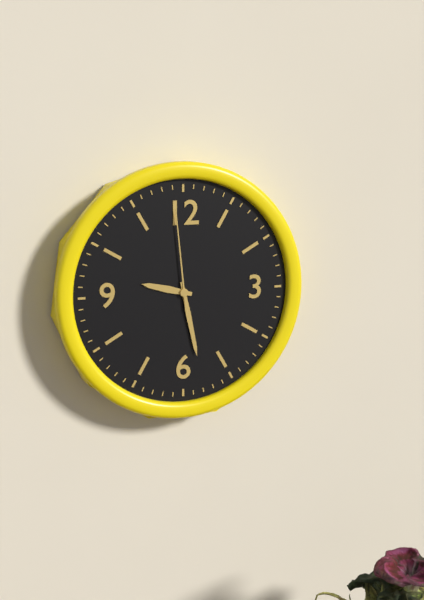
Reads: 9.28.59
